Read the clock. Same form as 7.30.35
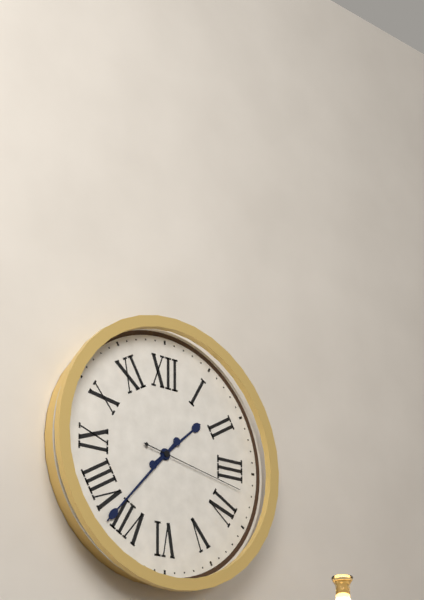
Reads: 1.37.17
